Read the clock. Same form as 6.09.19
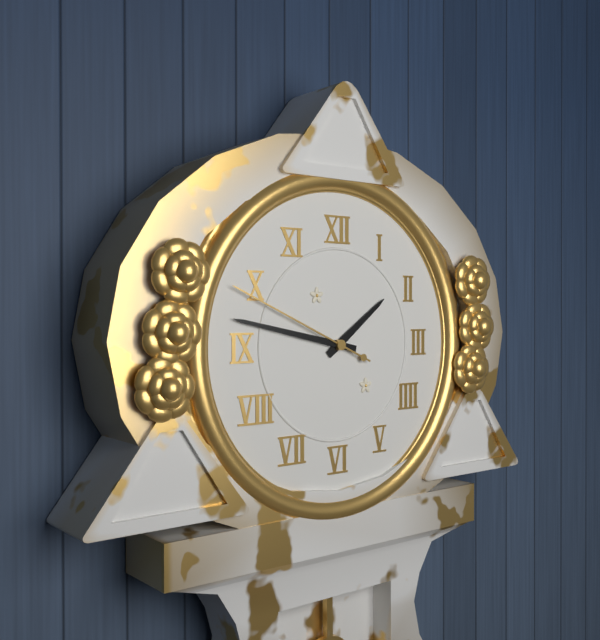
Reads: 1.47.49
